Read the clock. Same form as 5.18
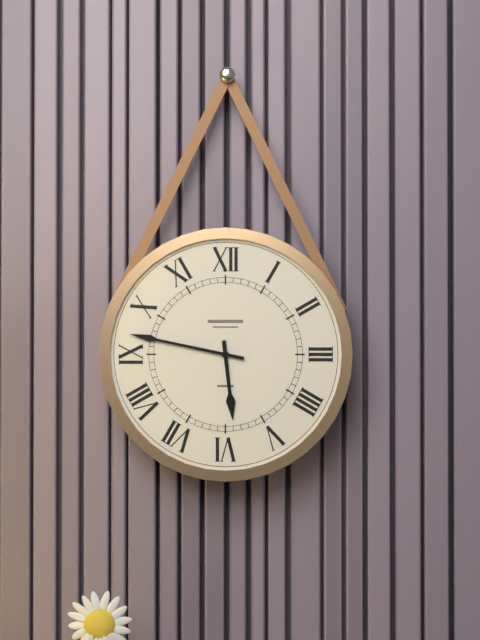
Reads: 5.47
